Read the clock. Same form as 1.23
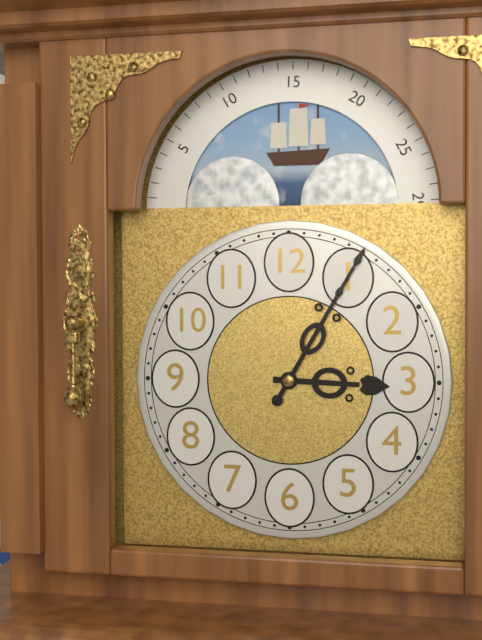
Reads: 3.05
